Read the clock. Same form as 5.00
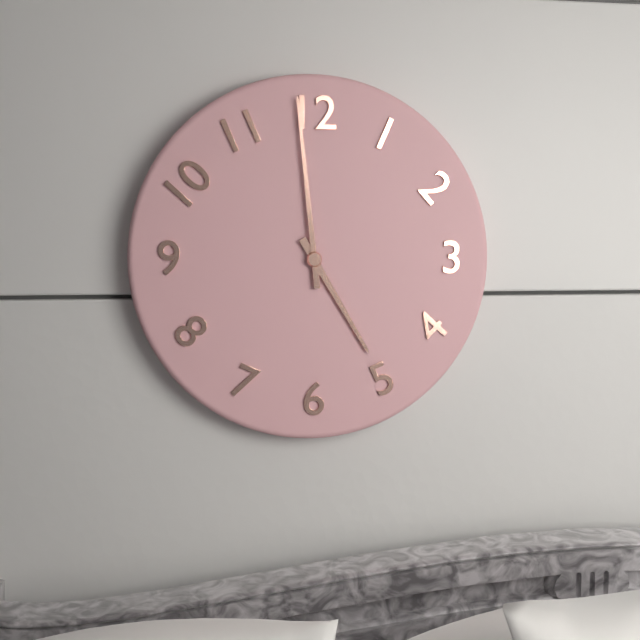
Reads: 4.59
